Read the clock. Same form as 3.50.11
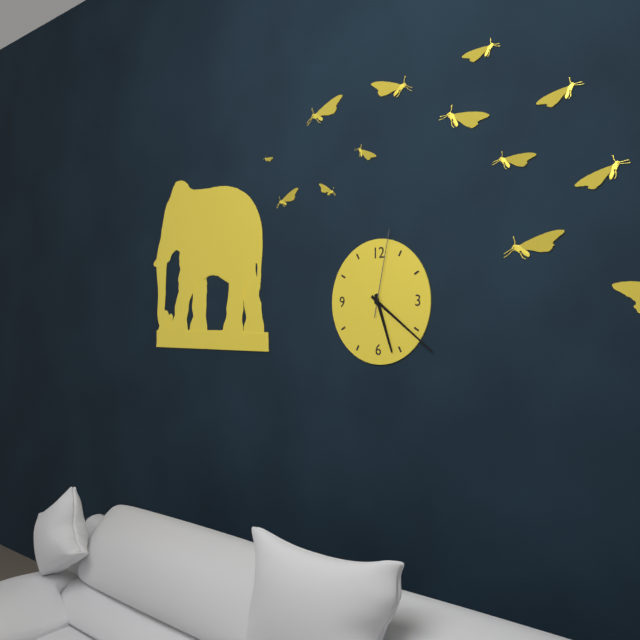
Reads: 5.21.02
